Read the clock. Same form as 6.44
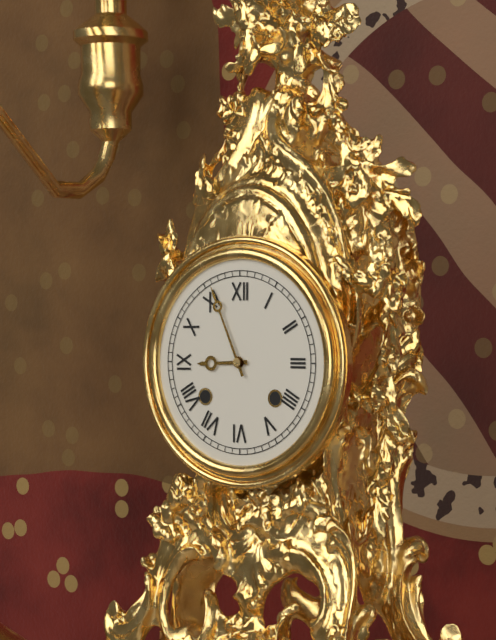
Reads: 8.56
